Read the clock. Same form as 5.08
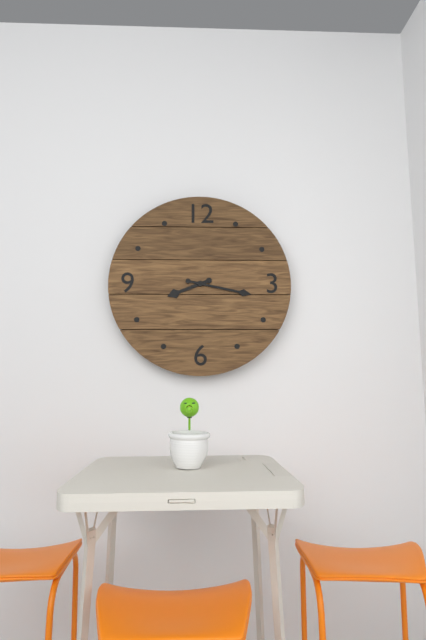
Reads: 8.17
